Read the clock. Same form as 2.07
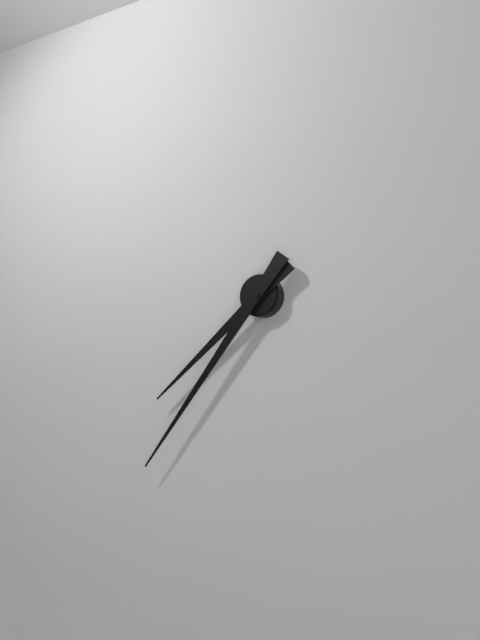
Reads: 7.36
